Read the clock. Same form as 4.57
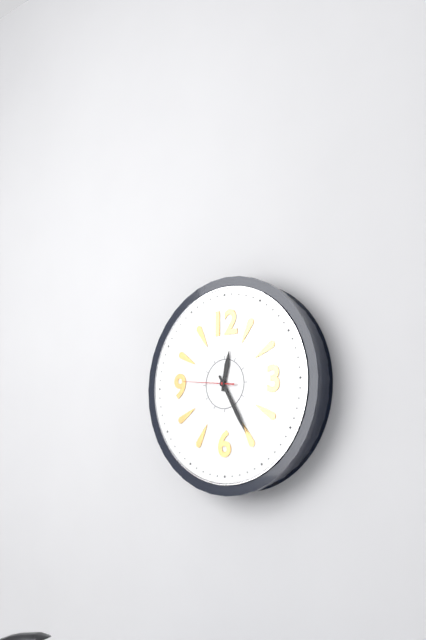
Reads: 12.25
